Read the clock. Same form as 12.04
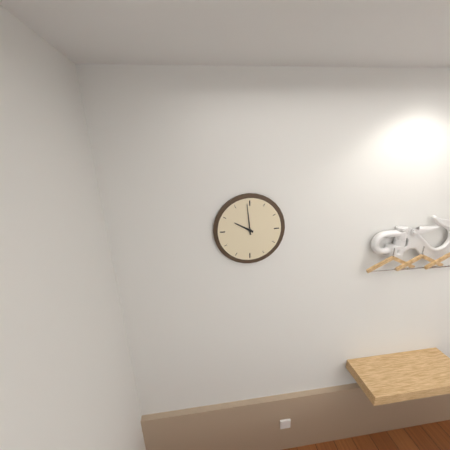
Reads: 9.59
